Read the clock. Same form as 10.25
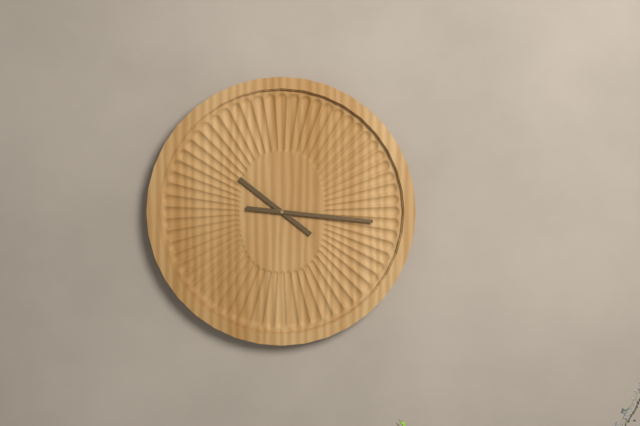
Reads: 10.16
